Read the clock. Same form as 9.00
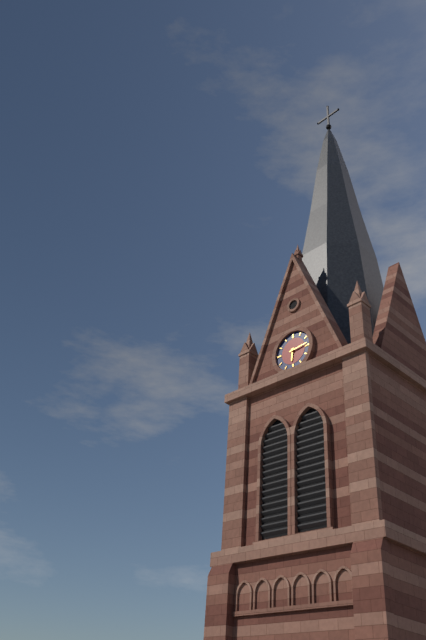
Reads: 6.14
